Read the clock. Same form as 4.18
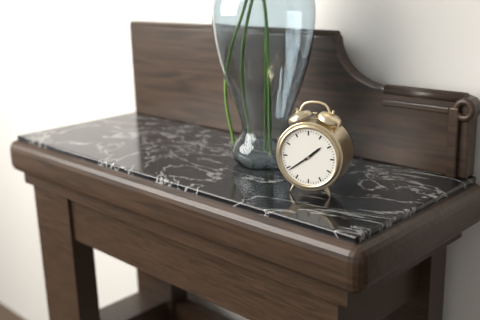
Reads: 1.39
